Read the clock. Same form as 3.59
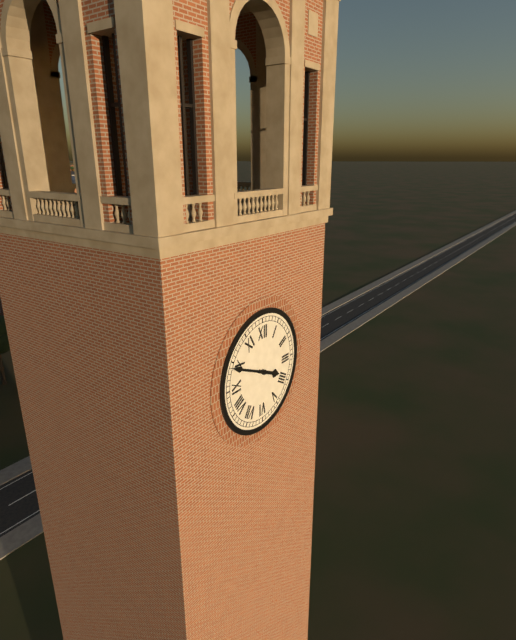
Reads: 3.49
